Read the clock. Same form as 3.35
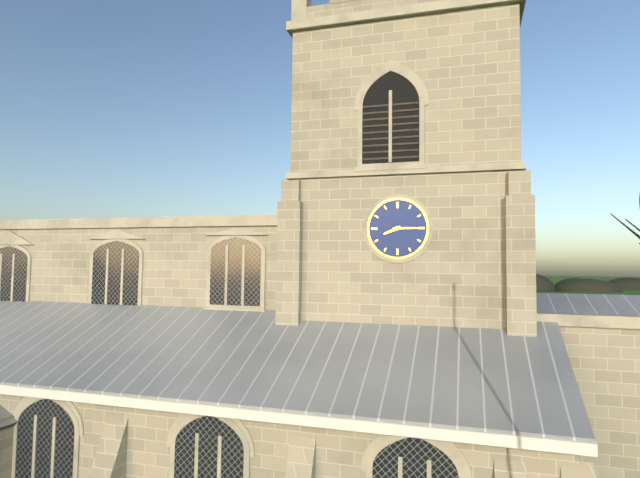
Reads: 8.15
